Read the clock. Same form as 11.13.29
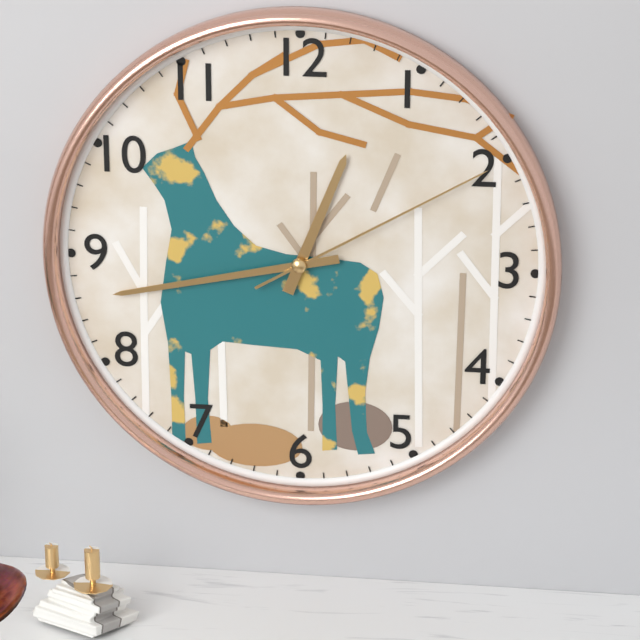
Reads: 12.43.10
